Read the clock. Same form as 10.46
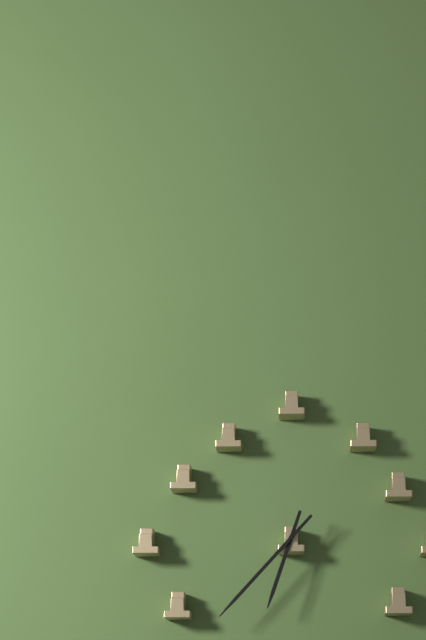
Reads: 6.37
